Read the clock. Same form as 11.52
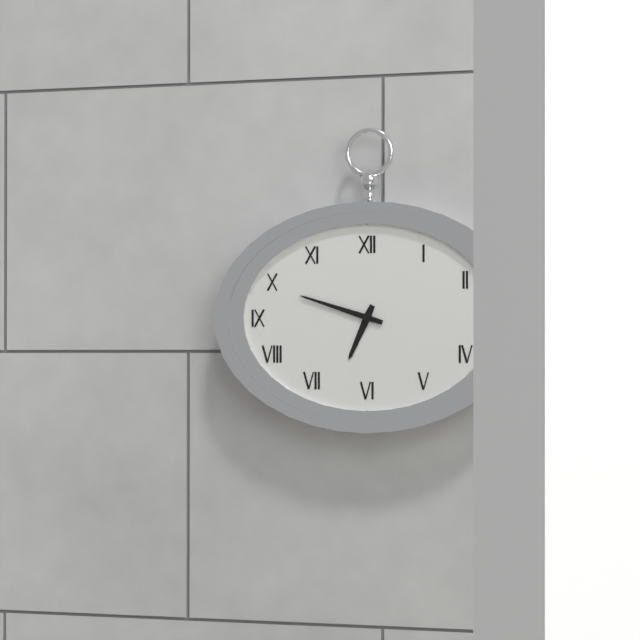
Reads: 6.48
